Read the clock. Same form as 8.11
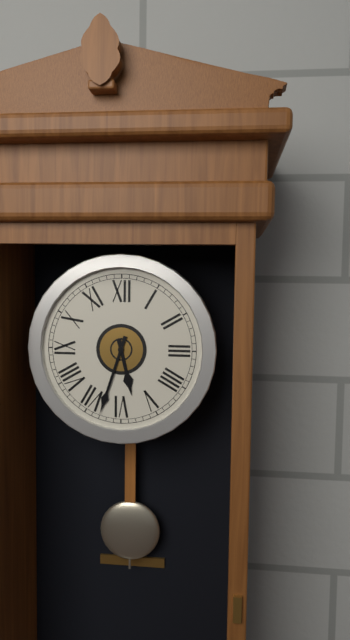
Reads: 5.33
